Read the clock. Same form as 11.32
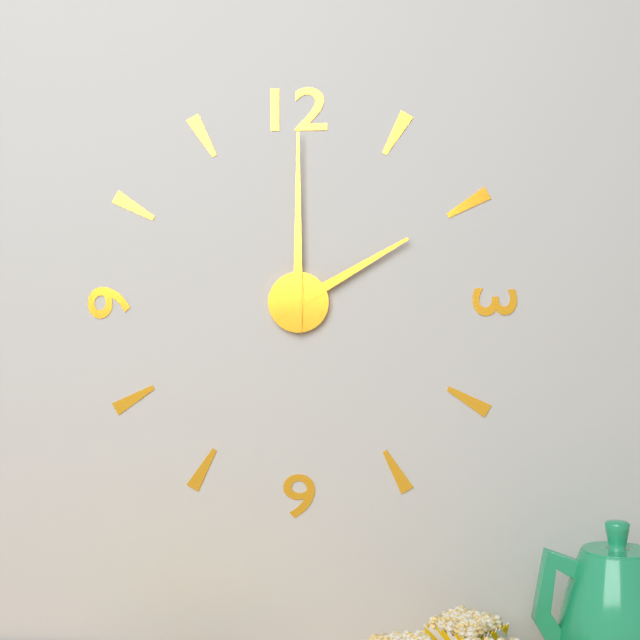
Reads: 2.00
